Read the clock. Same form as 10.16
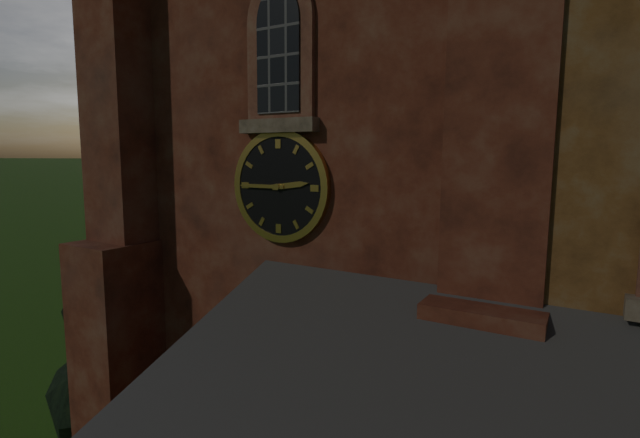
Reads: 2.45
